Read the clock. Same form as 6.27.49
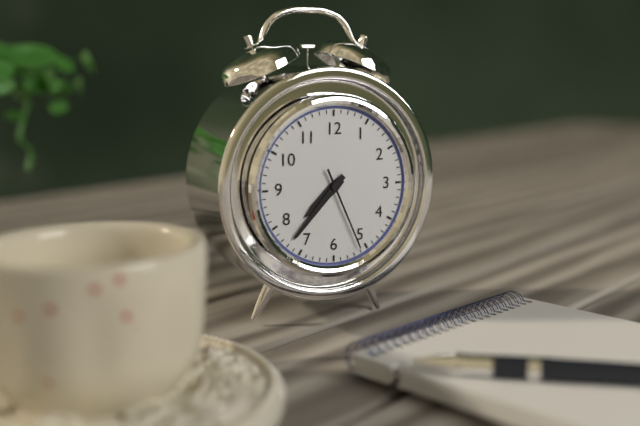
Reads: 7.37.26
